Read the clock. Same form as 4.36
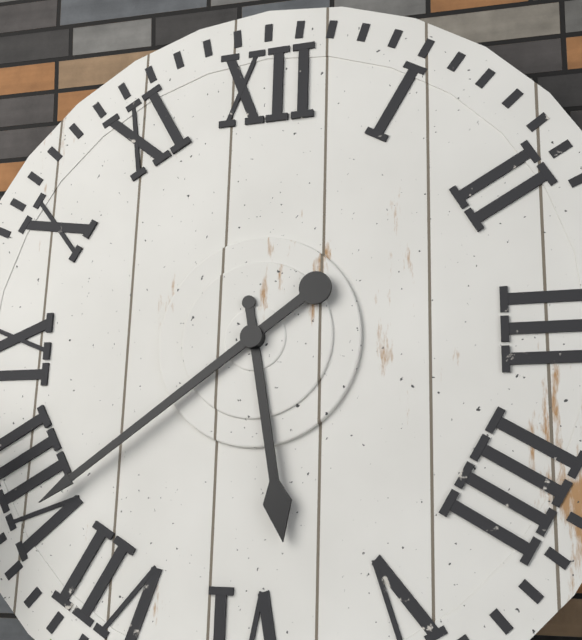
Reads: 5.39
